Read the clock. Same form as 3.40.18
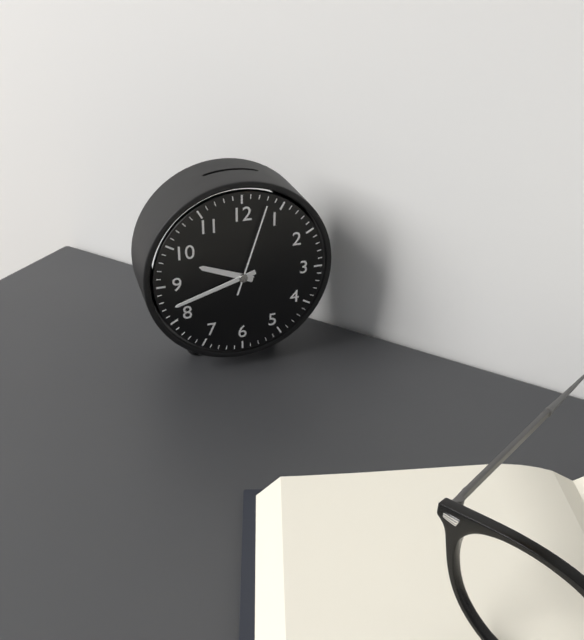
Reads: 9.42.03
